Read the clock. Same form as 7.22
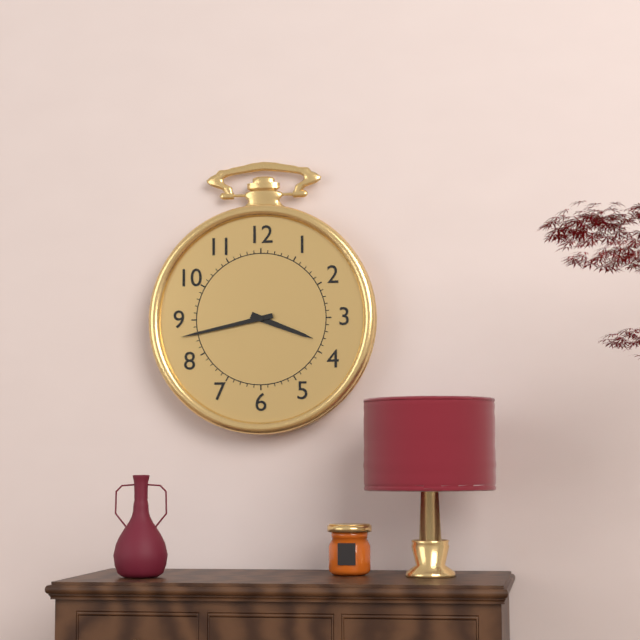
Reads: 3.43
